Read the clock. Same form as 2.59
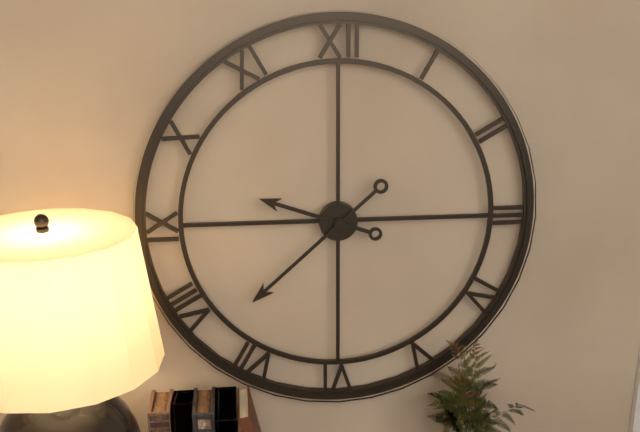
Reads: 9.38
